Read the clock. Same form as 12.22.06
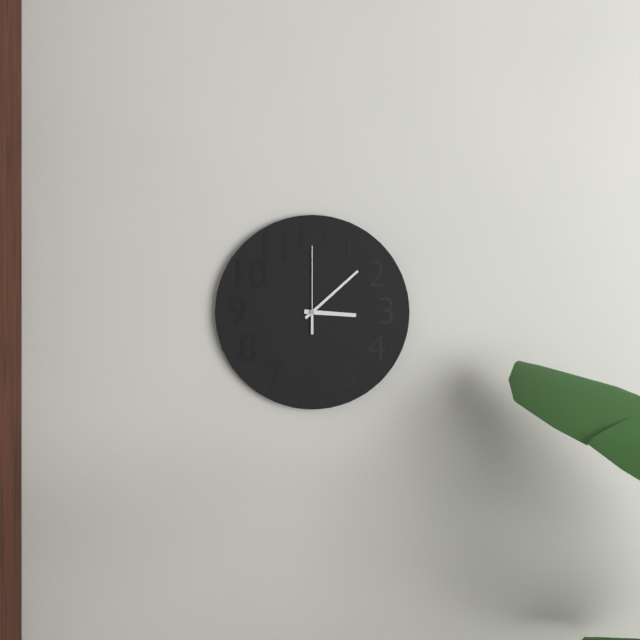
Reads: 3.08.00
